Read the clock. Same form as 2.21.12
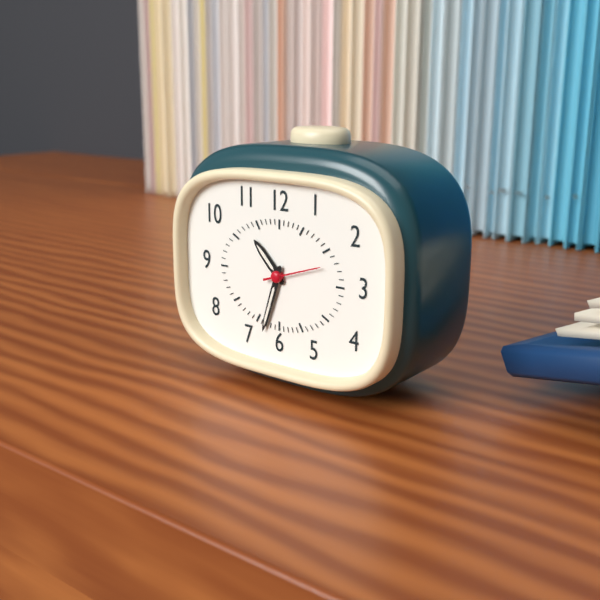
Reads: 10.33.12
